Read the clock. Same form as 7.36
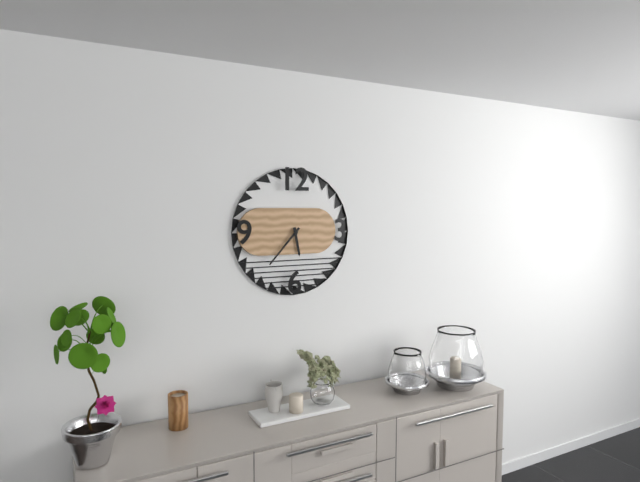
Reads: 5.37
